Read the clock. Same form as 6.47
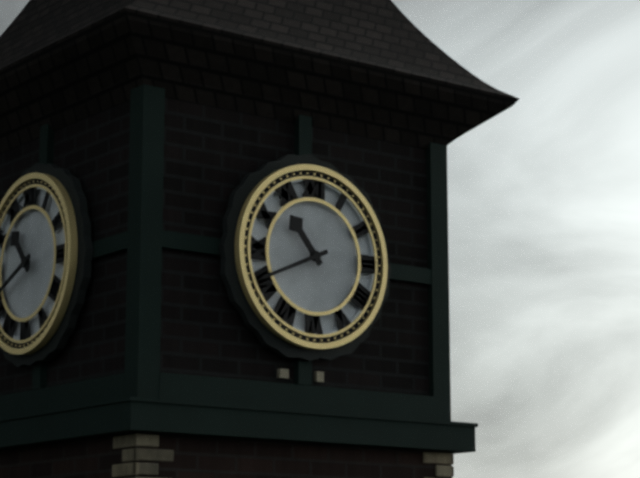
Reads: 10.41
